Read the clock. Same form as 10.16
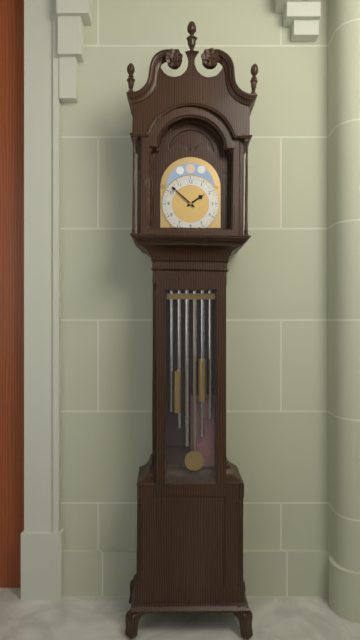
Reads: 1.52
